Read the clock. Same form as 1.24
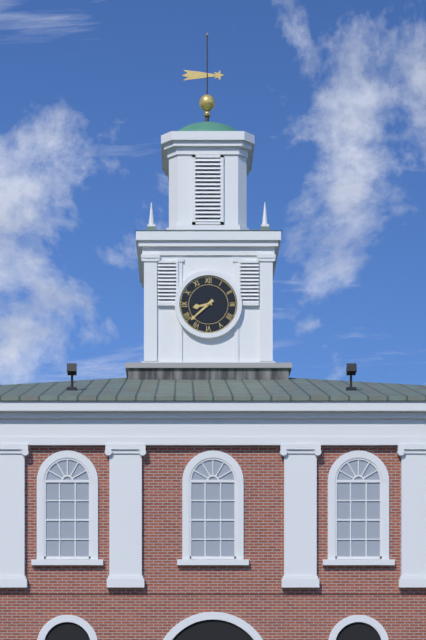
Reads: 8.38
